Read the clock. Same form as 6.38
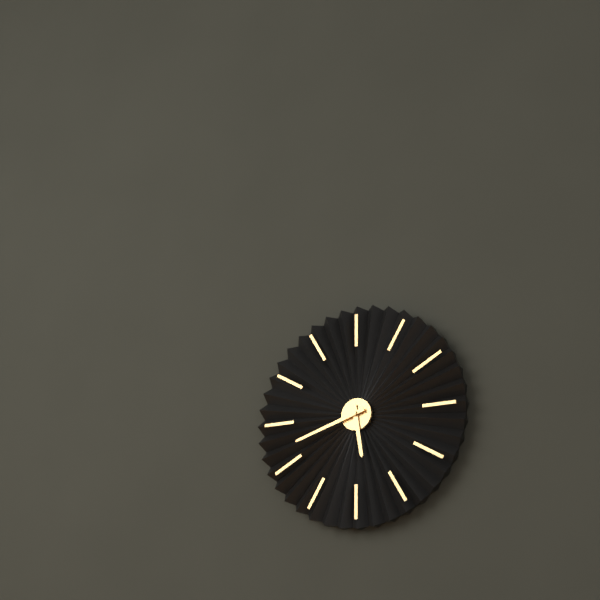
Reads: 5.42
